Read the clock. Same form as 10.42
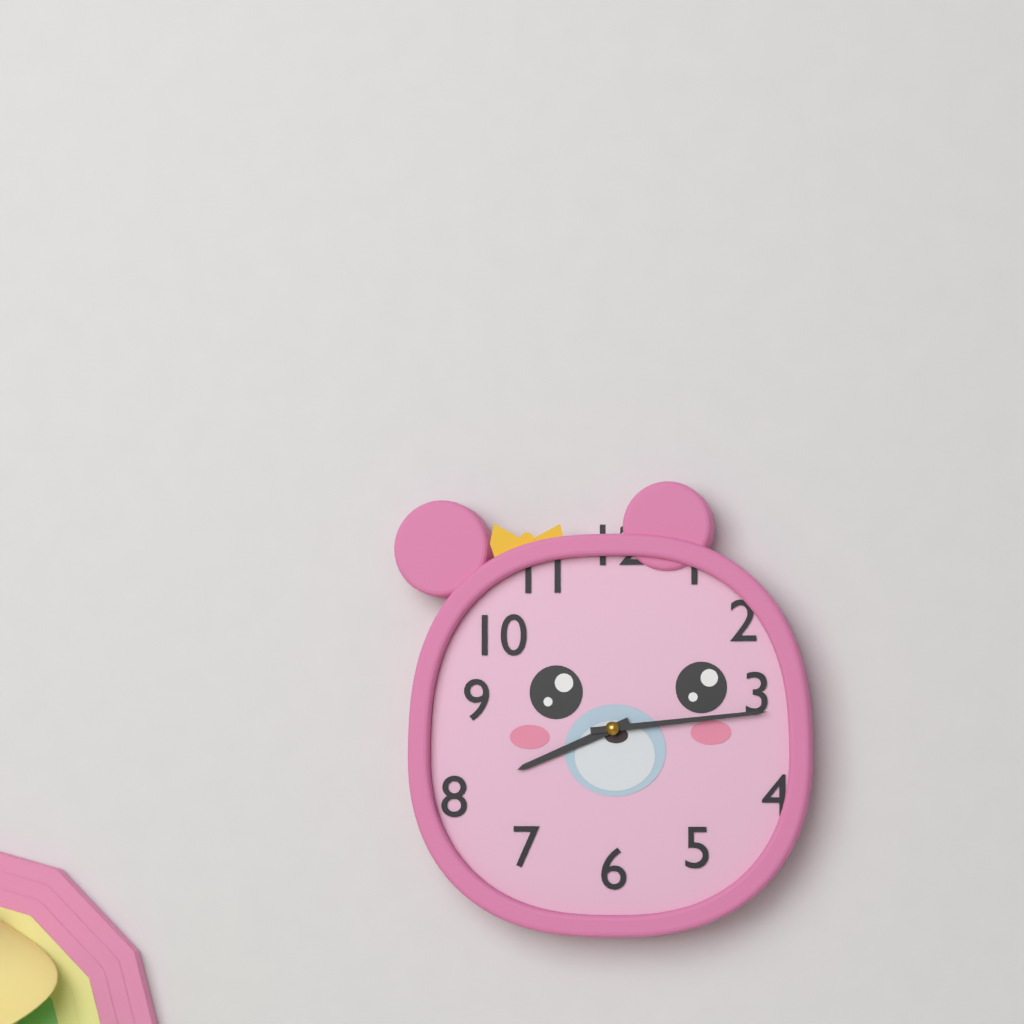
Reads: 8.14
